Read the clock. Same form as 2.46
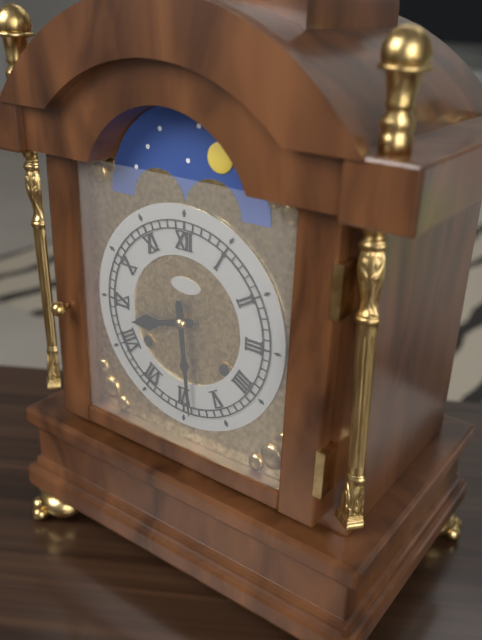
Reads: 8.29
